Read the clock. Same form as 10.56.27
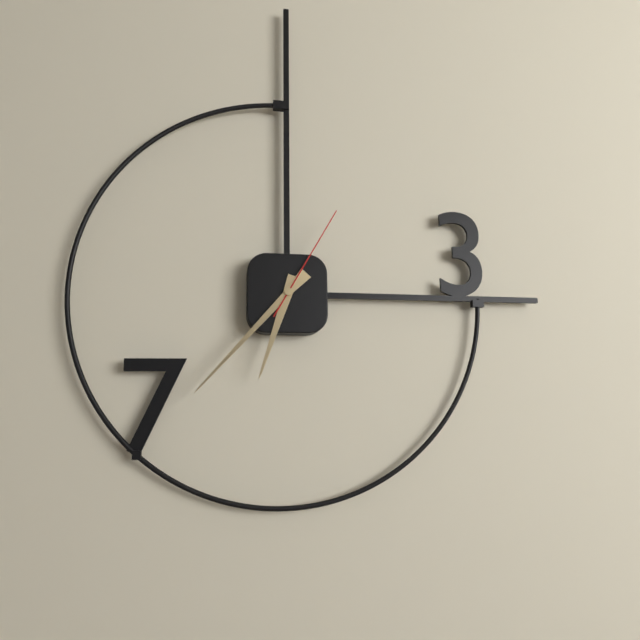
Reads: 6.37.05
